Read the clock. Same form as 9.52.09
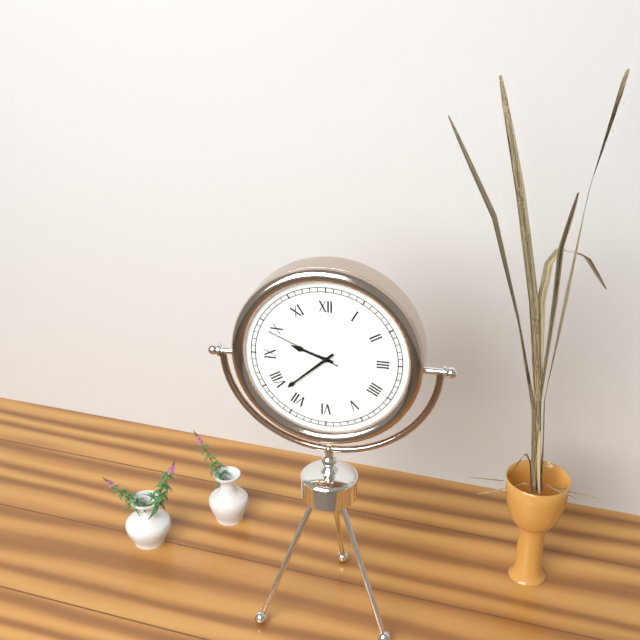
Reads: 9.38.49
